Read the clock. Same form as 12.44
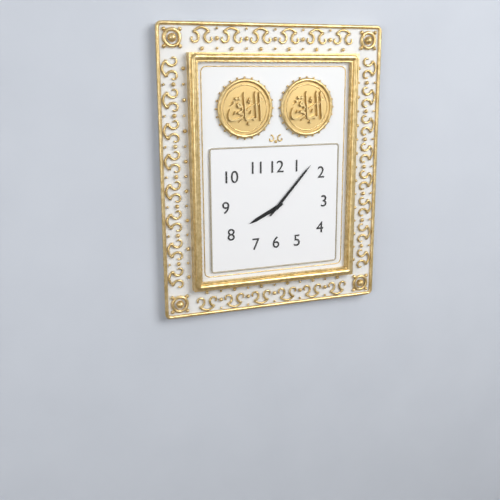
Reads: 8.07
